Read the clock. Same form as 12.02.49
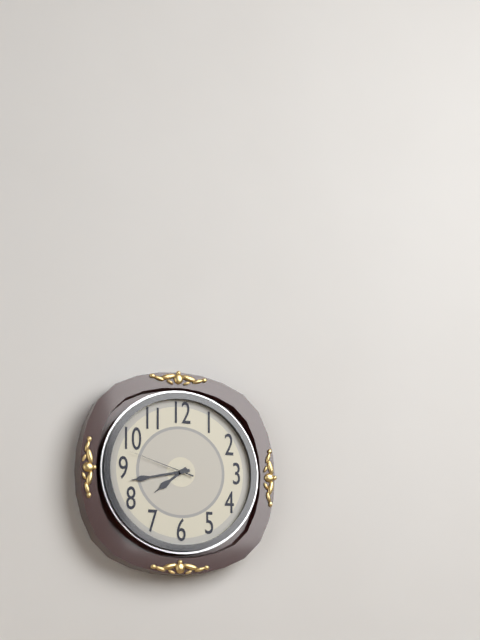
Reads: 7.43.48
